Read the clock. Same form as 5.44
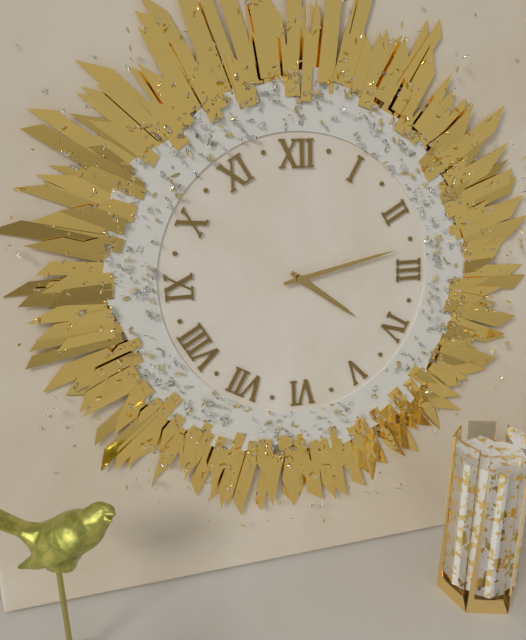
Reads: 4.13
